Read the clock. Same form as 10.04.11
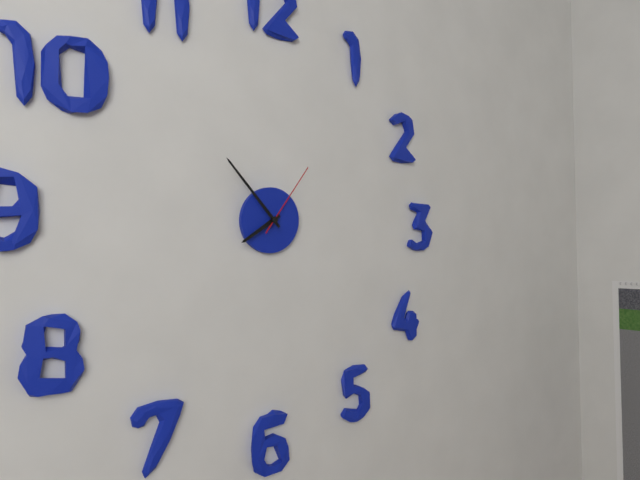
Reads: 7.53.06
